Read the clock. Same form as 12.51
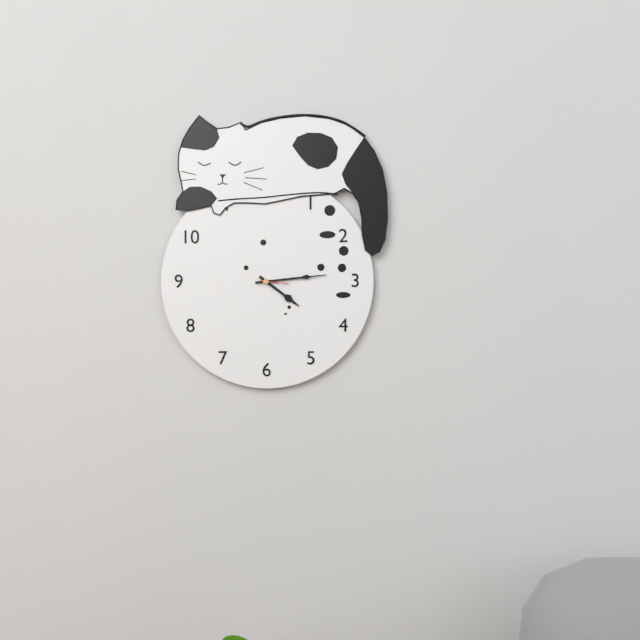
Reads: 4.14
